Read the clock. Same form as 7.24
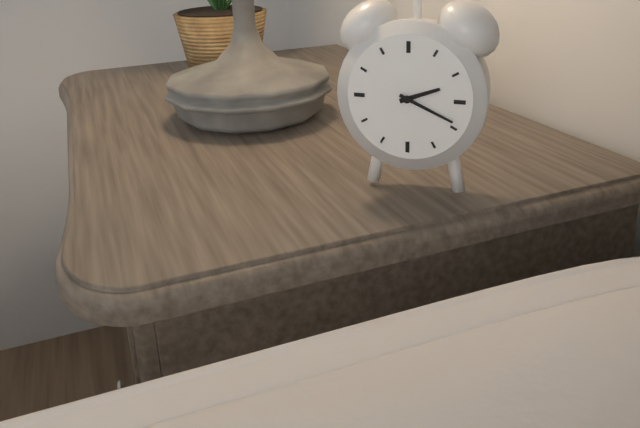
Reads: 2.19
